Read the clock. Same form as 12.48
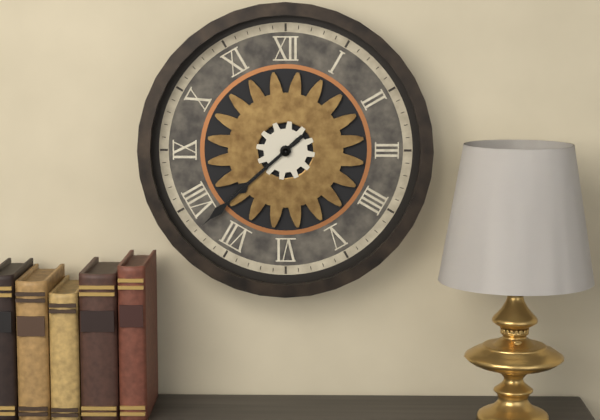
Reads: 7.38
